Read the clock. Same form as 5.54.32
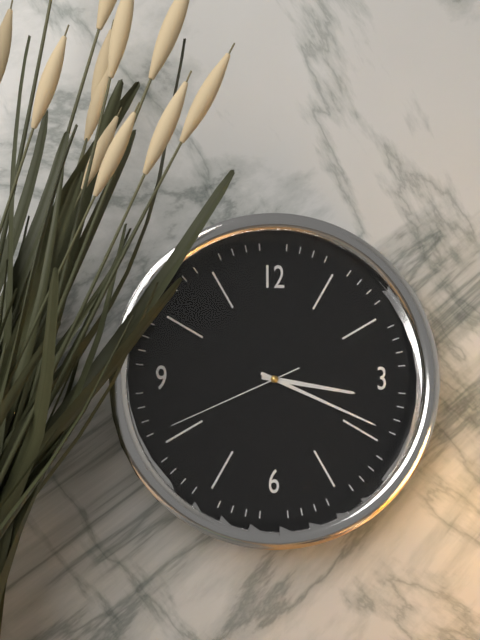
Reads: 3.19.41
